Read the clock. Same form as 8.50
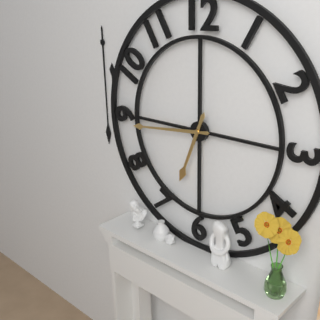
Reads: 6.44
